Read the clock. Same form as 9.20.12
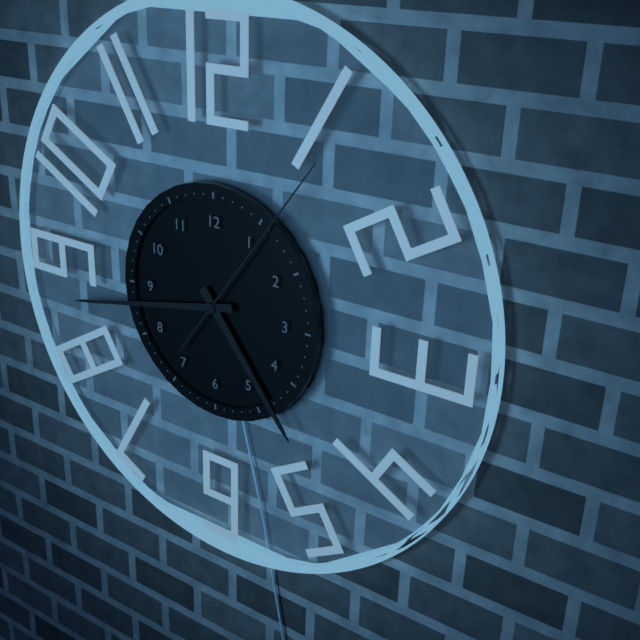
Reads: 4.43.06
